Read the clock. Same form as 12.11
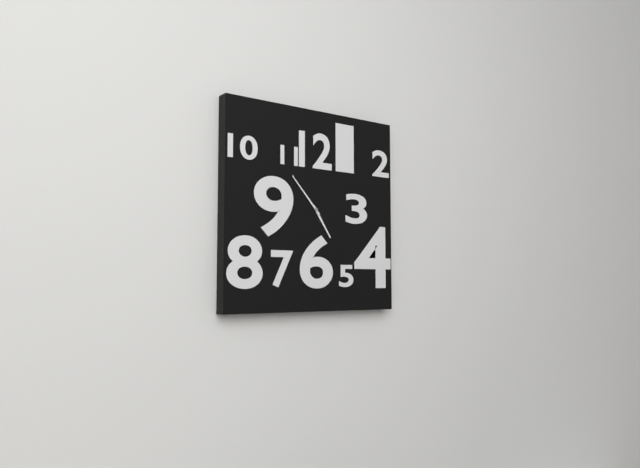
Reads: 4.53
